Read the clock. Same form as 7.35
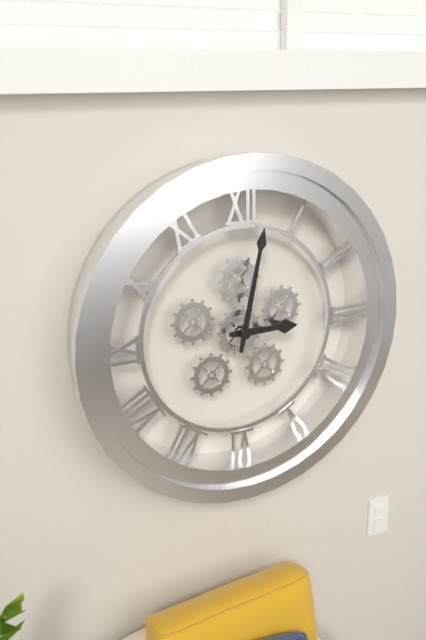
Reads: 3.02
